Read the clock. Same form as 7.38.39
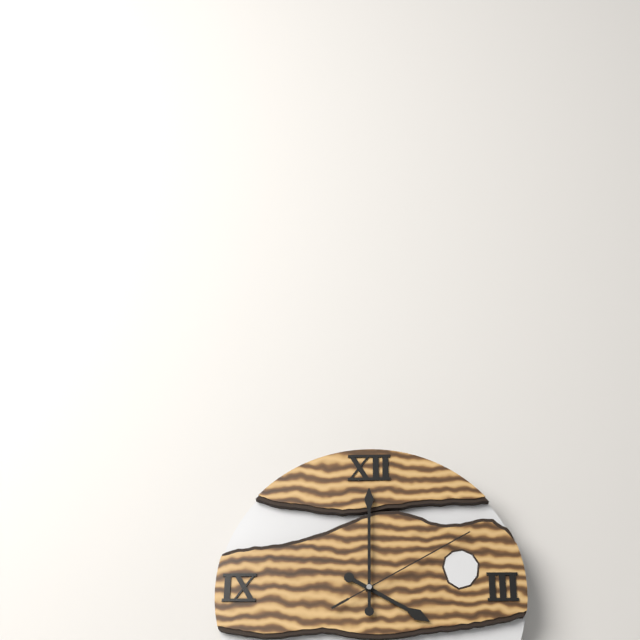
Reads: 4.00.10
